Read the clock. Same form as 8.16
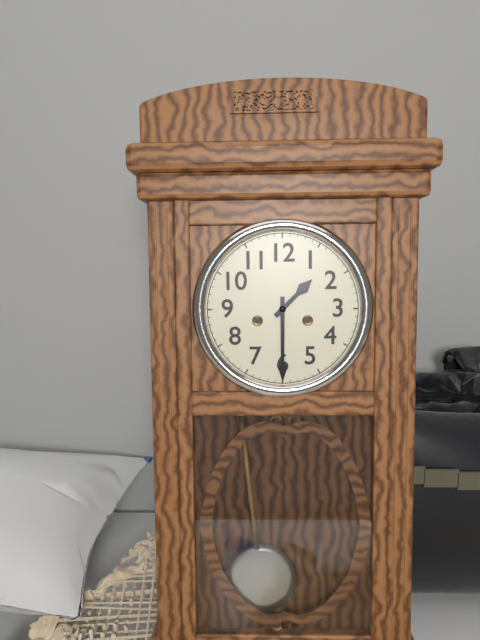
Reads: 1.30
